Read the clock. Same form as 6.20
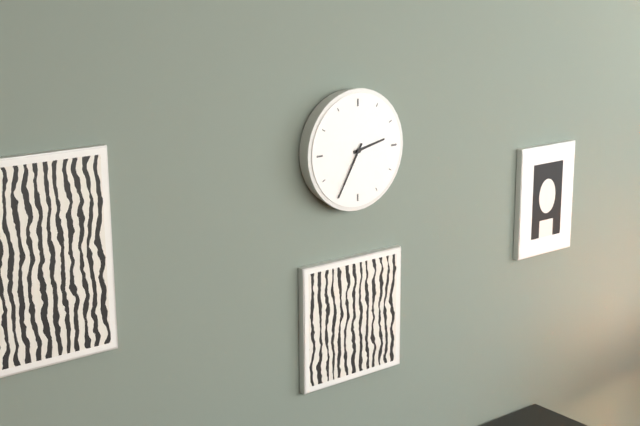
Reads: 2.35
